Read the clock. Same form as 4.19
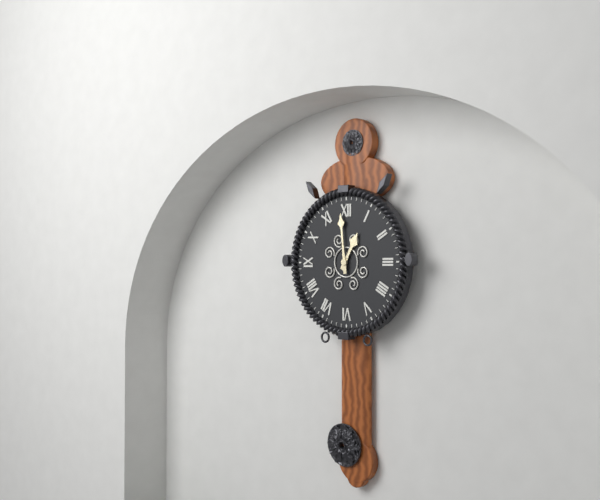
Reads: 12.59
